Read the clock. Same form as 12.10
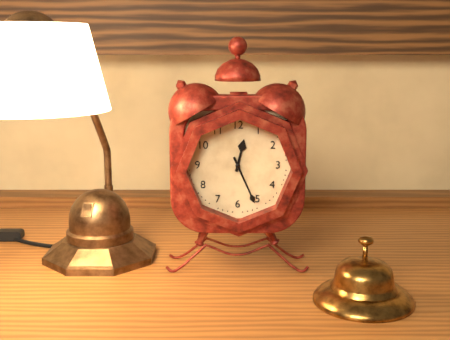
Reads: 12.26
